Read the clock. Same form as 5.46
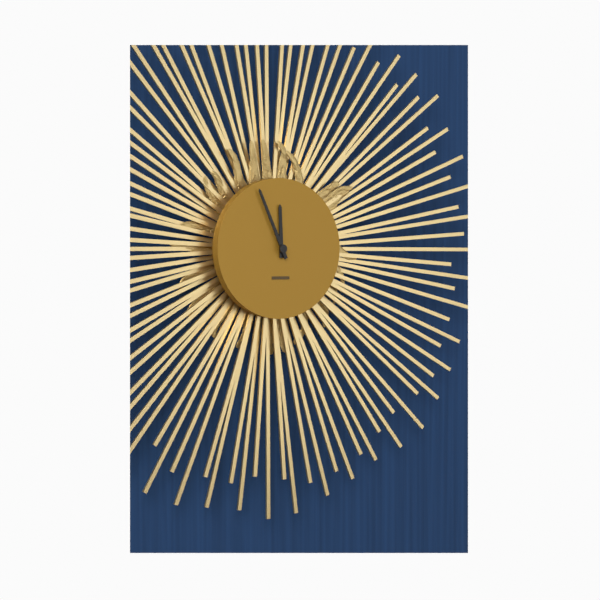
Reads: 11.56
